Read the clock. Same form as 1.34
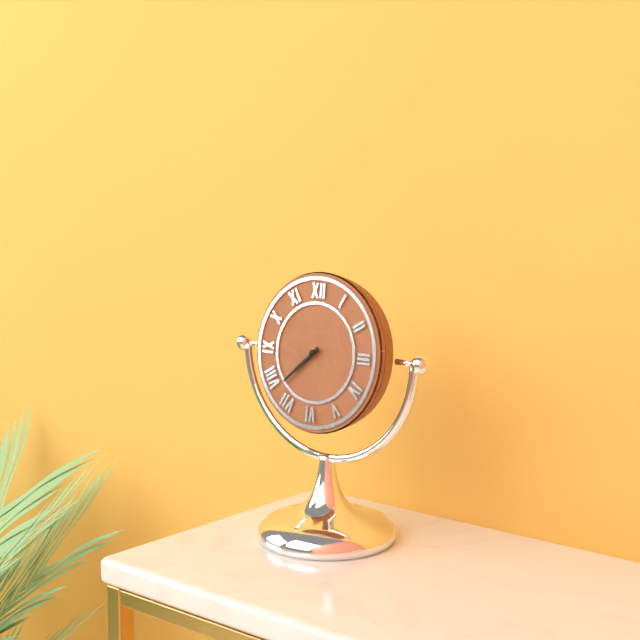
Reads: 7.38
